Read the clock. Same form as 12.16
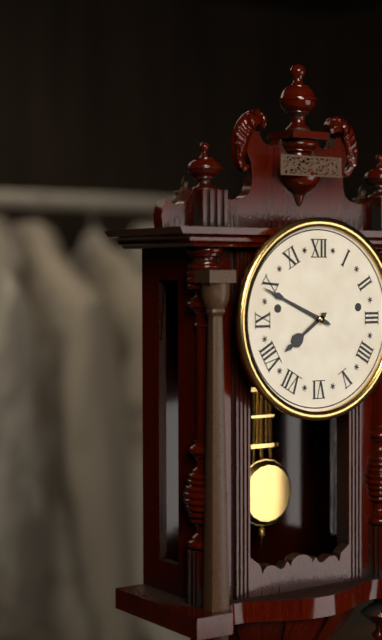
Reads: 7.49
